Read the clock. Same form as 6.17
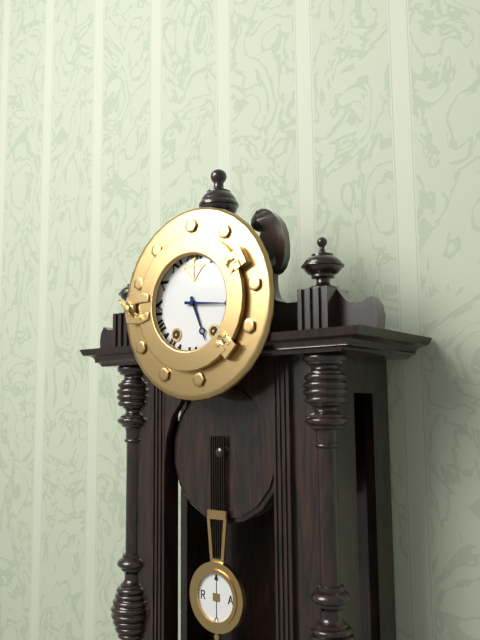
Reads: 5.16
